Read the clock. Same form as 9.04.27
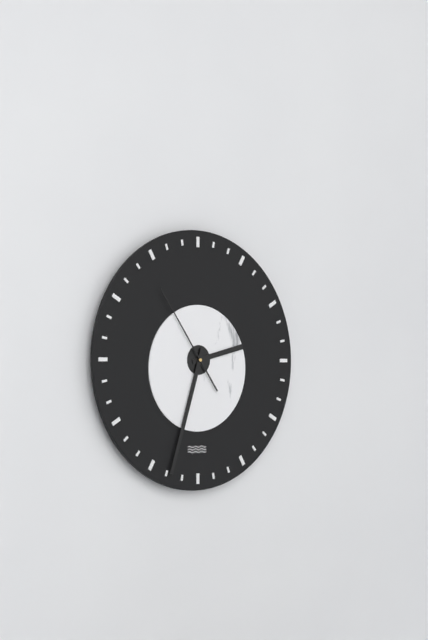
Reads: 2.33.54
